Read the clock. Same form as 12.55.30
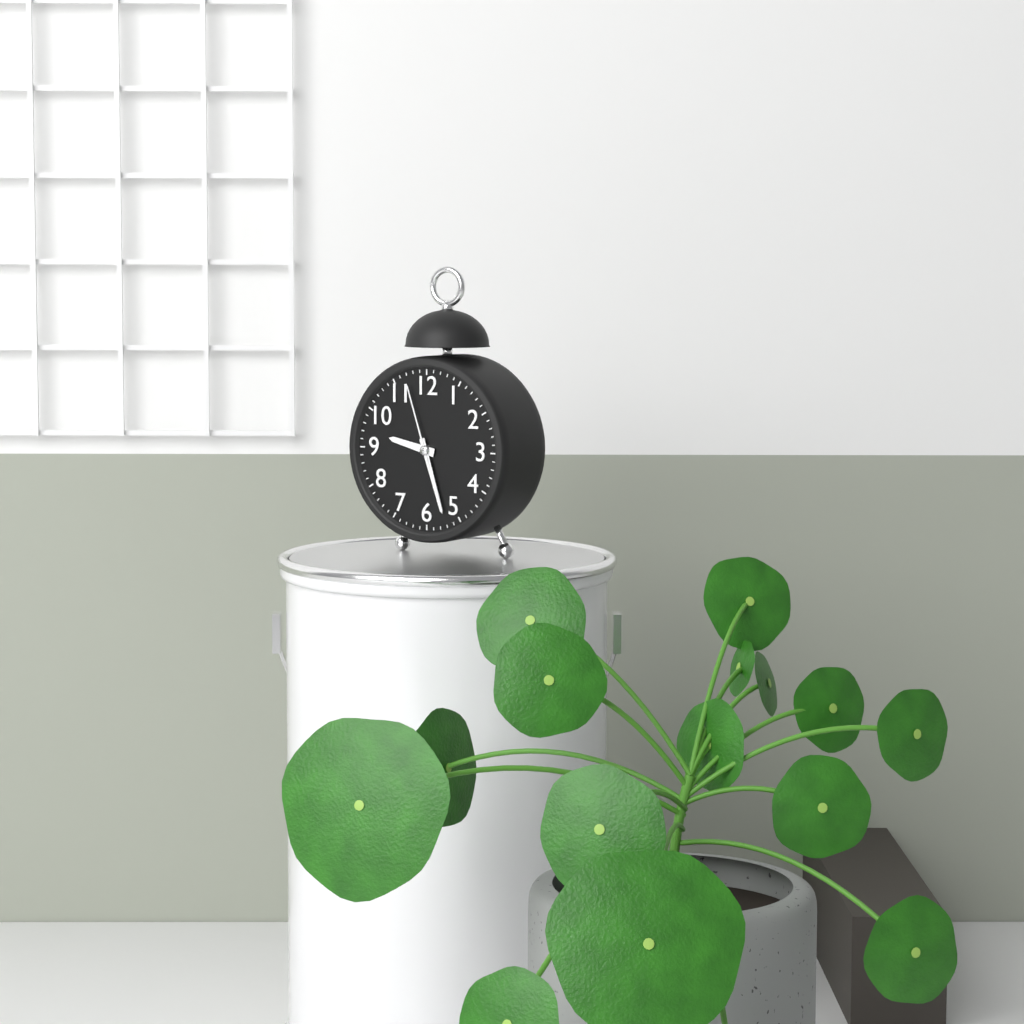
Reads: 9.27.57
